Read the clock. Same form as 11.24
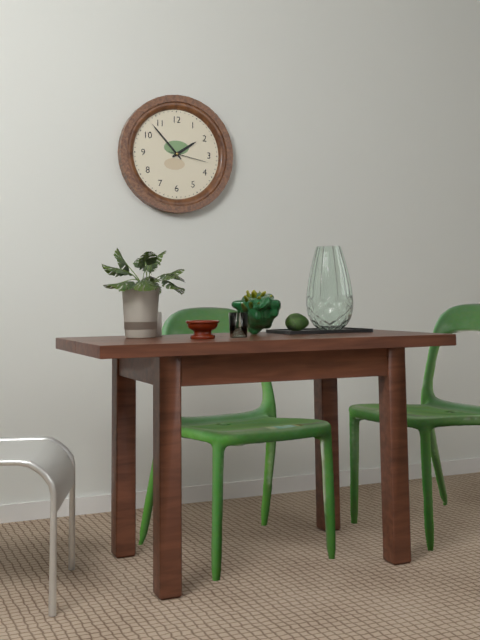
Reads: 1.53
